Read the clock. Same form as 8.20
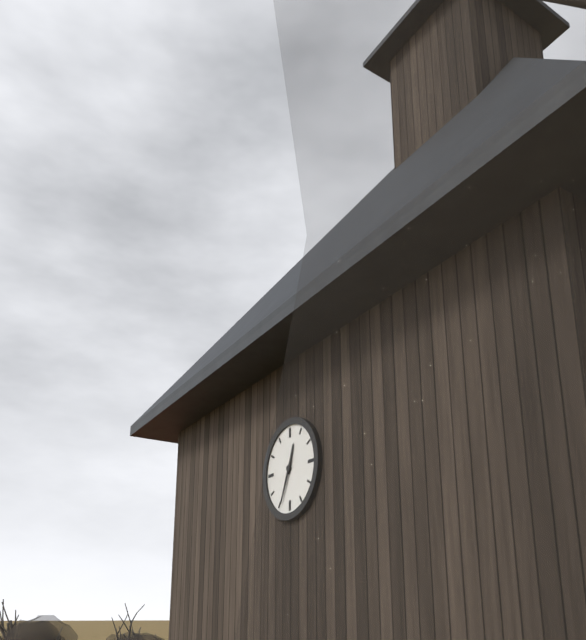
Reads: 12.34
